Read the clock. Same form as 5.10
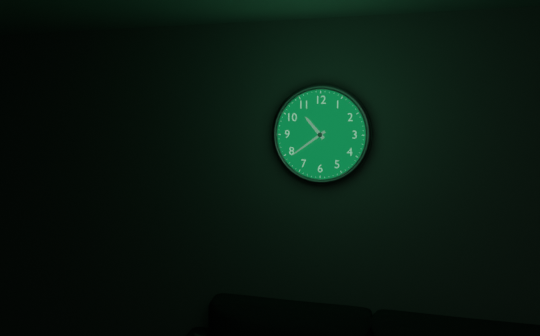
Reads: 10.39
